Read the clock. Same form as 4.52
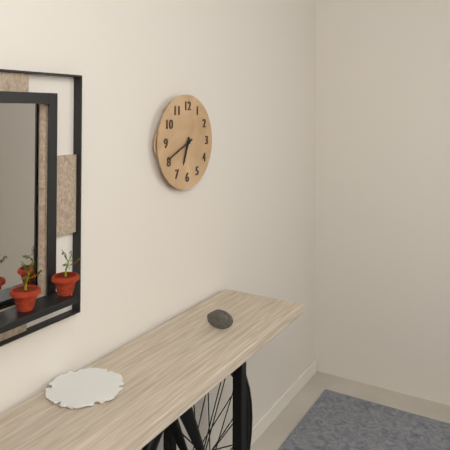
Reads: 6.41
